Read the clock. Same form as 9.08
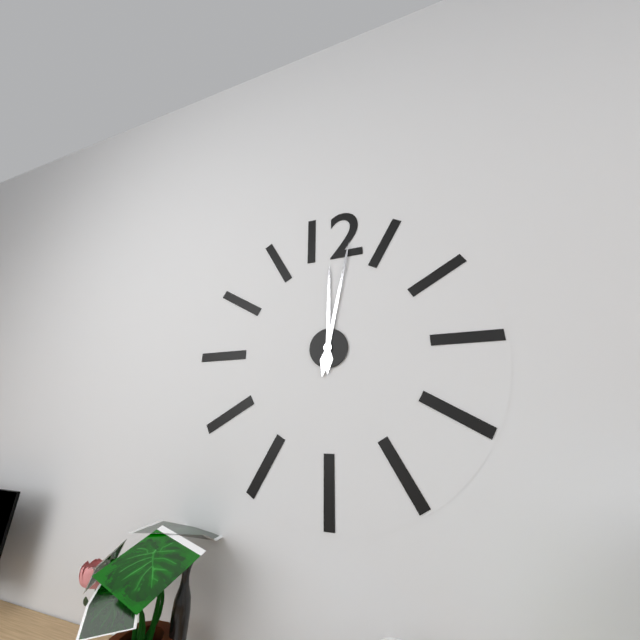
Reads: 12.02
